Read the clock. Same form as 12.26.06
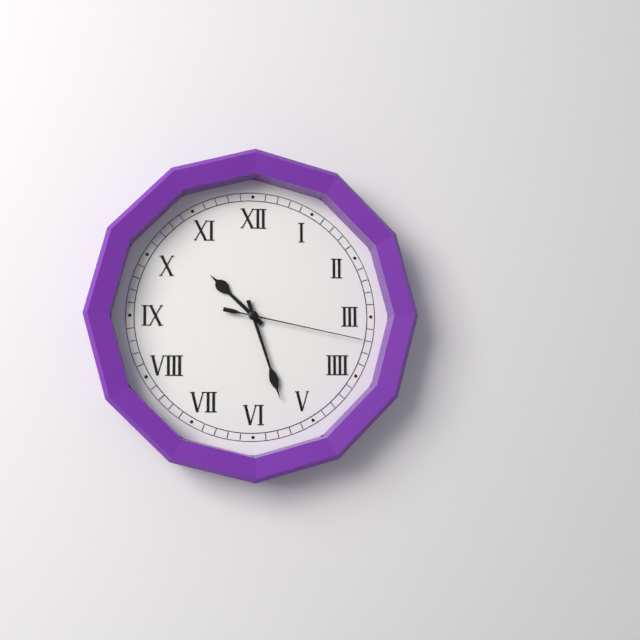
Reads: 10.27.17
